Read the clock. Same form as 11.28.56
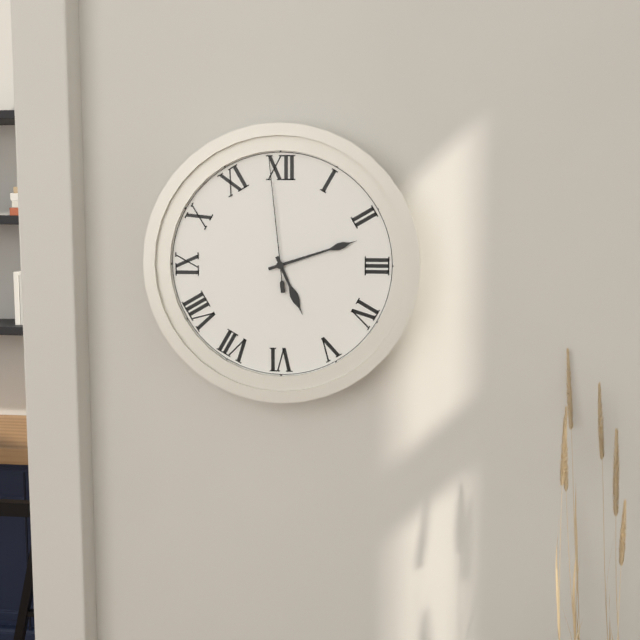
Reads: 5.12.59
